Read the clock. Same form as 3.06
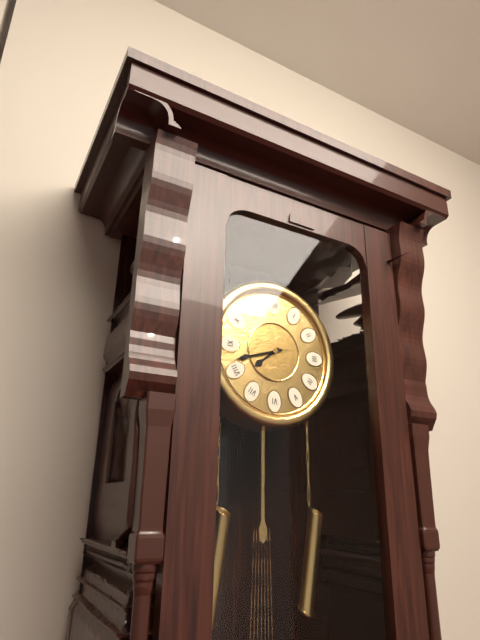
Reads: 7.42
